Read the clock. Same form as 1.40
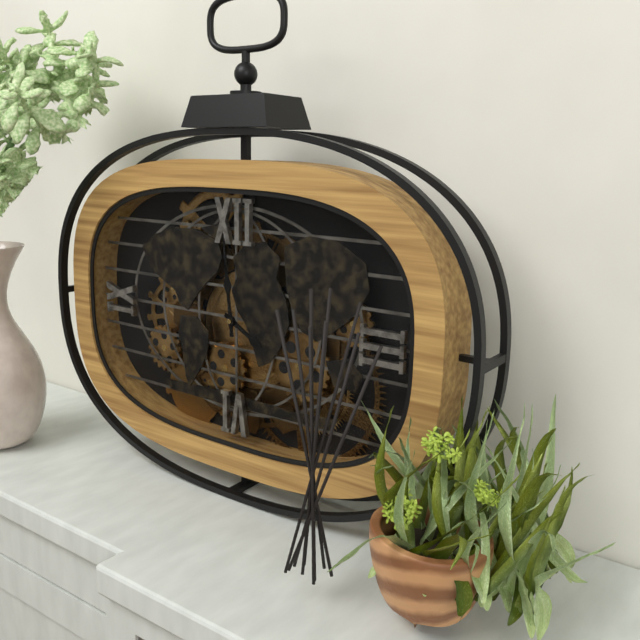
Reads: 3.59
